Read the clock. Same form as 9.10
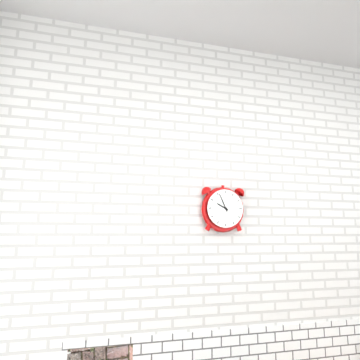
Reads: 9.56
